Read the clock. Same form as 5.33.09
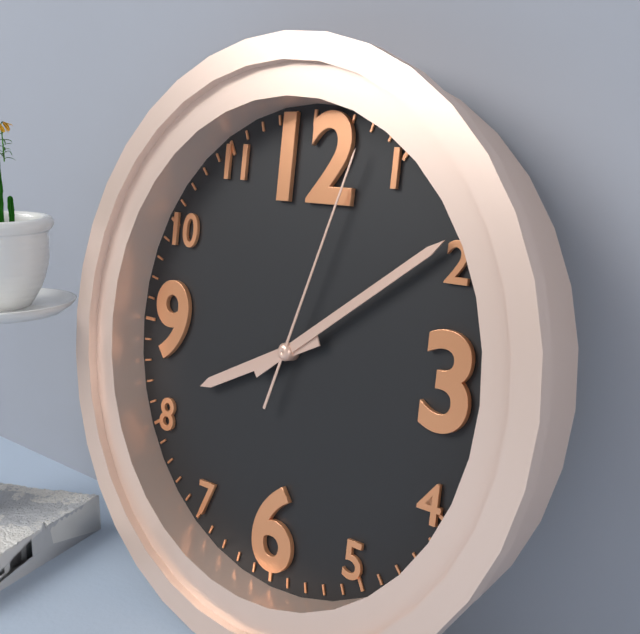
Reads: 8.09.03
